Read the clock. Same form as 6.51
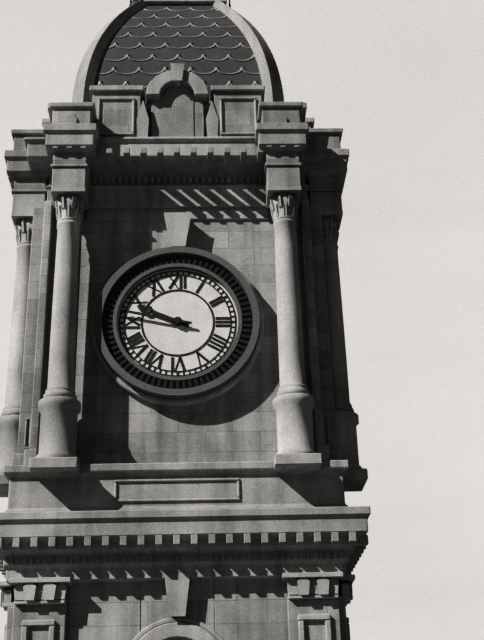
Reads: 9.47
